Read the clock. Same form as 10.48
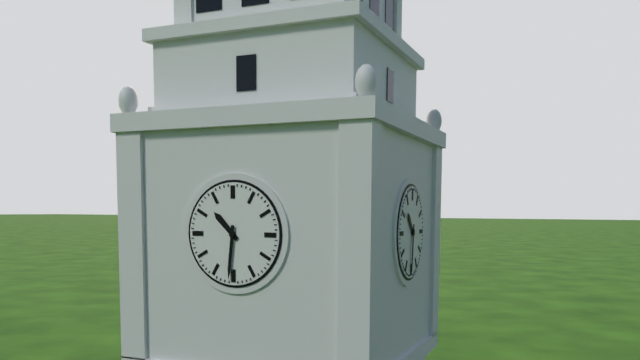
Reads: 10.31
